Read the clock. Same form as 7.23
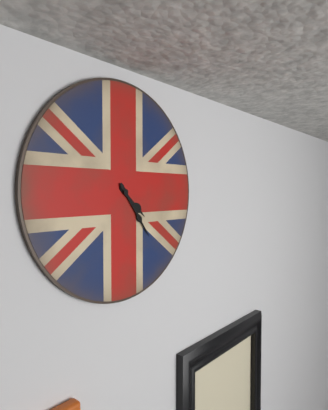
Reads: 4.24
